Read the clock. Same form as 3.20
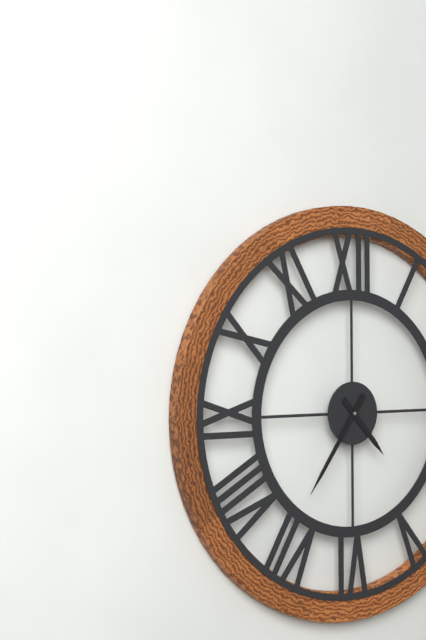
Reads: 4.36
